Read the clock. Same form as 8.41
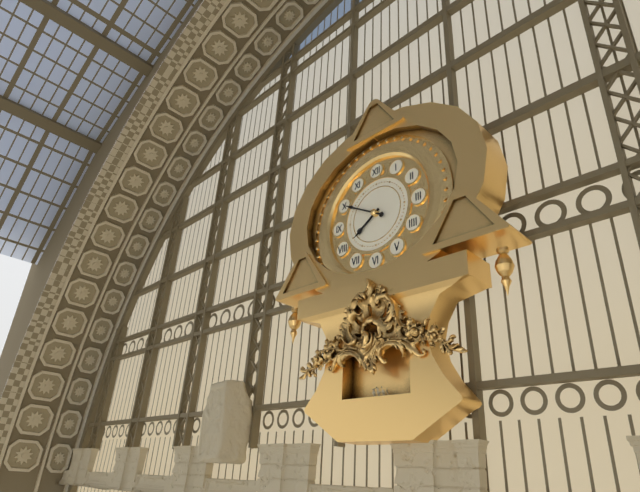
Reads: 7.50
